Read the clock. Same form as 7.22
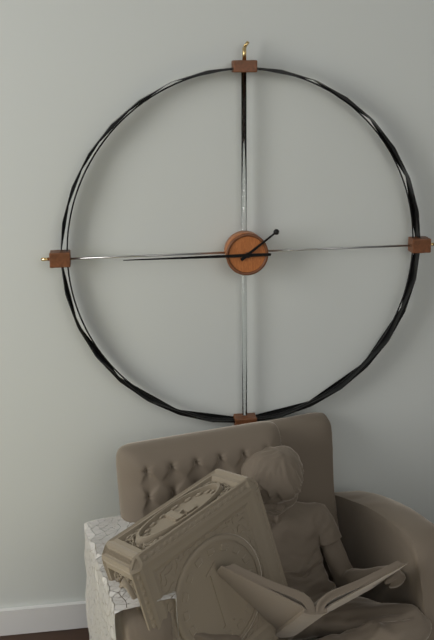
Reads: 1.45
